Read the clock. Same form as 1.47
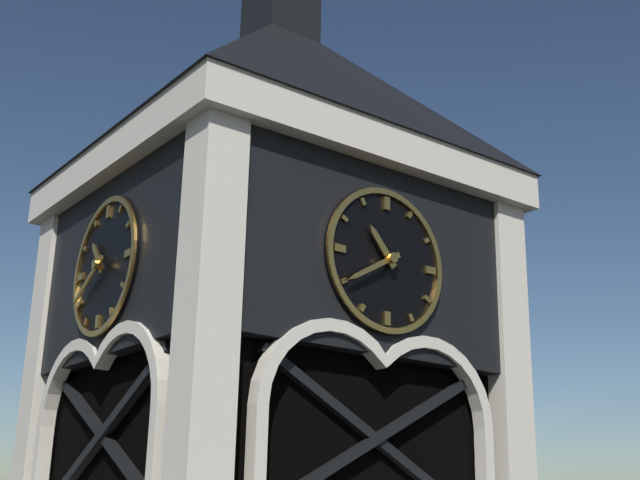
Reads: 10.40
